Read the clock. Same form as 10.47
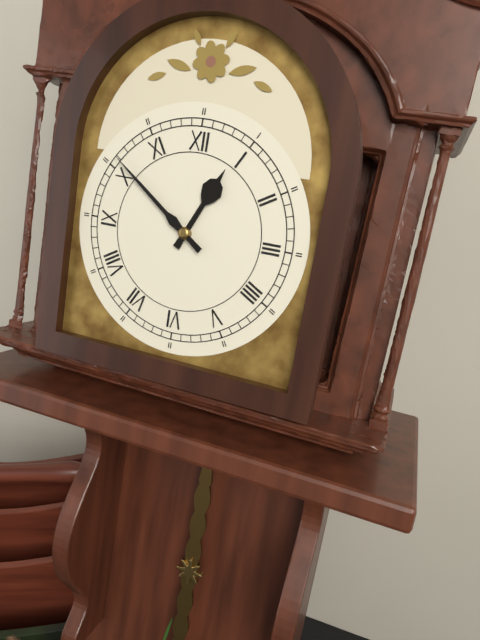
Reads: 12.51
